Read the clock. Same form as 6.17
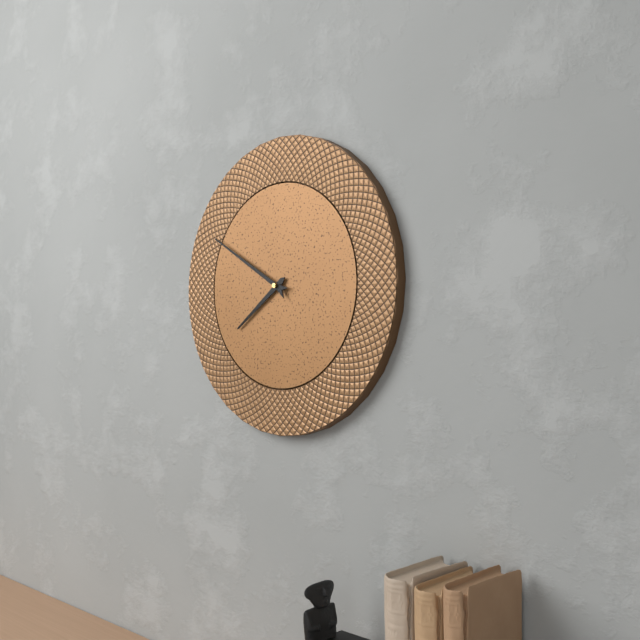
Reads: 7.50
